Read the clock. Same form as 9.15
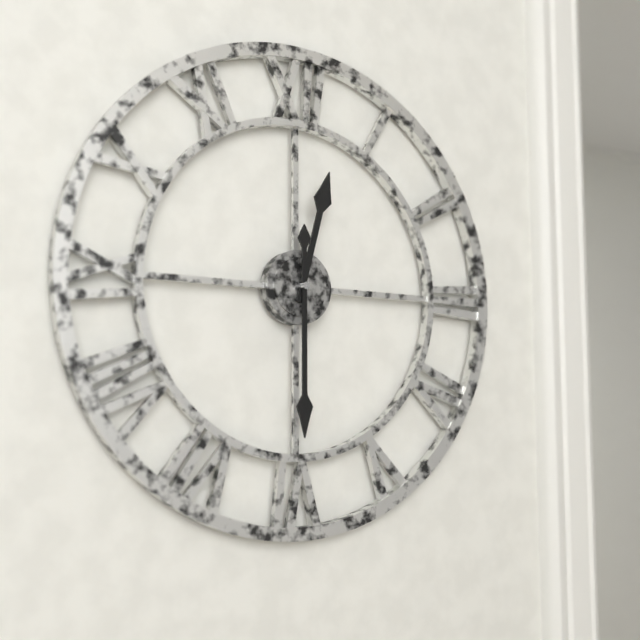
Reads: 12.30
